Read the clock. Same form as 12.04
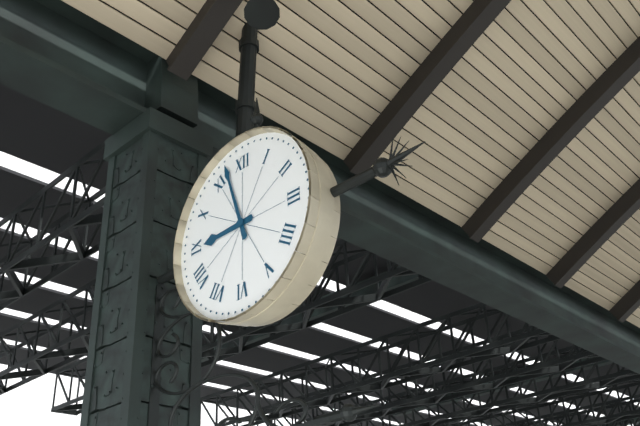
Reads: 8.57
